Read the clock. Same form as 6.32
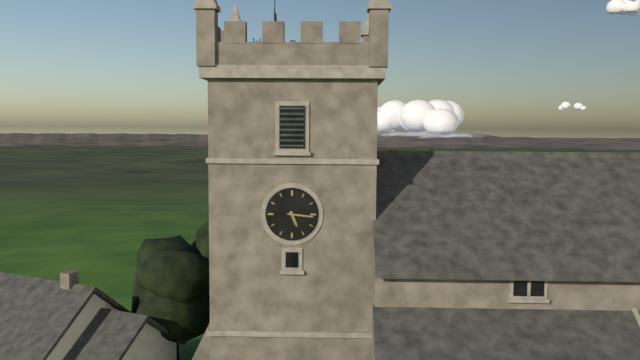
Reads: 5.16
